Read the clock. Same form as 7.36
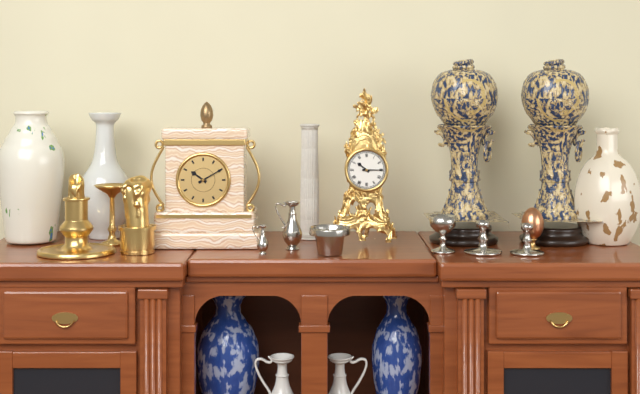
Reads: 10.15
